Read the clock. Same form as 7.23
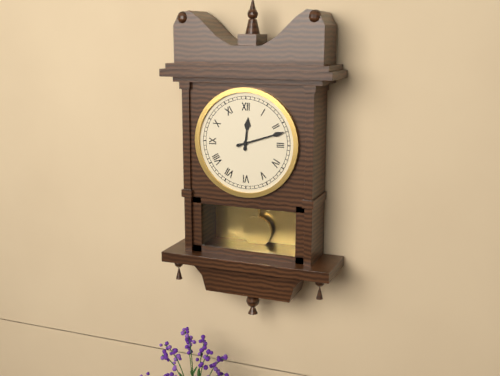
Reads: 12.12
